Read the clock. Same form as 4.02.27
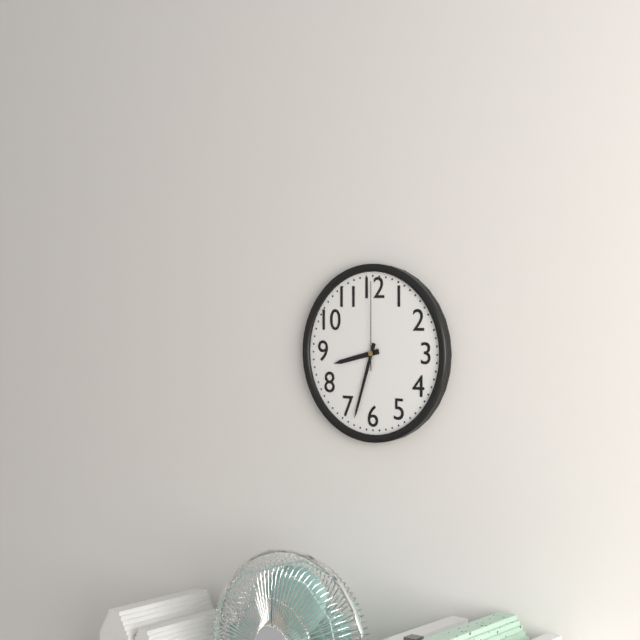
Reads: 8.33.00
